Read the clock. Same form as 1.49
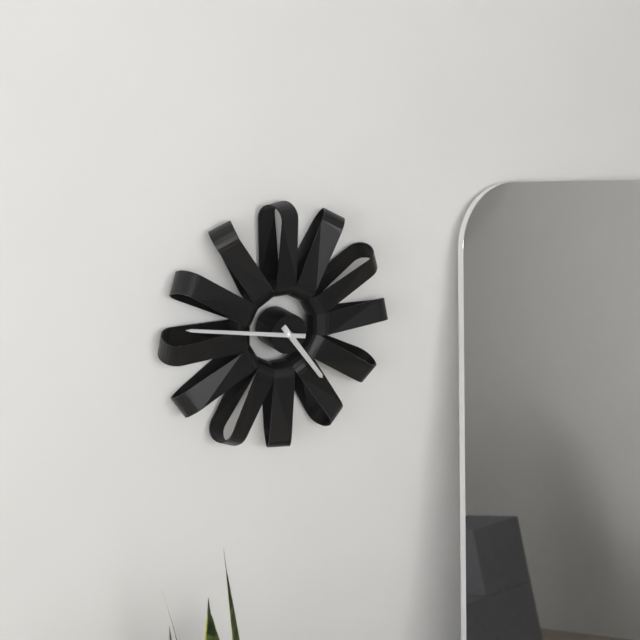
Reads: 4.47
